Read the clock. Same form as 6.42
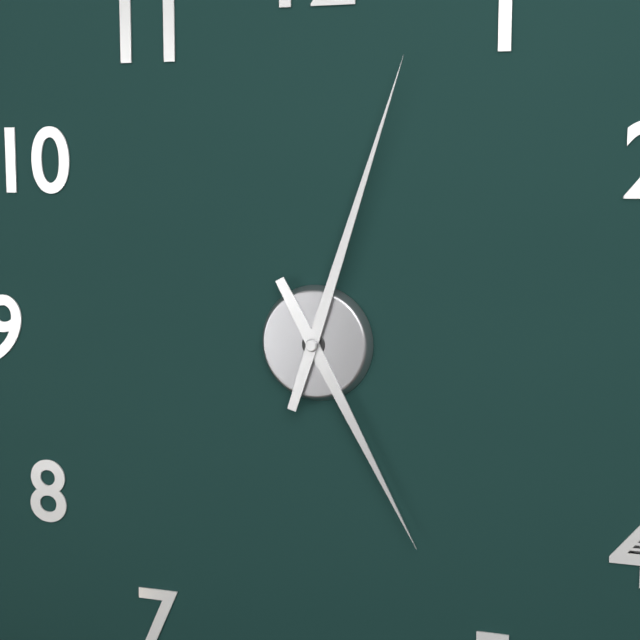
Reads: 5.03
